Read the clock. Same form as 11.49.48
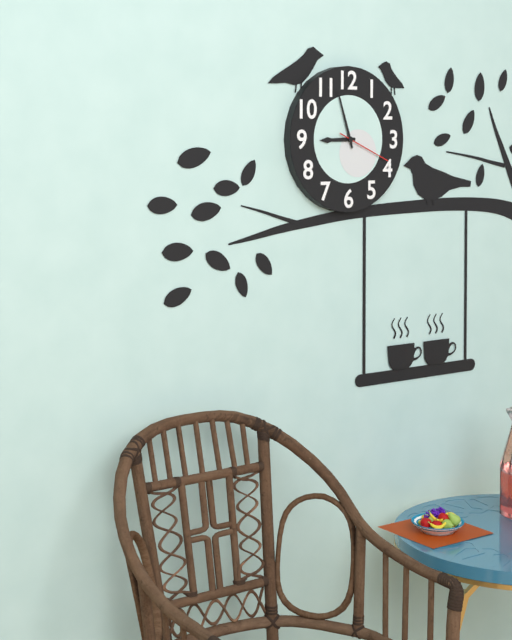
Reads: 8.57.19
